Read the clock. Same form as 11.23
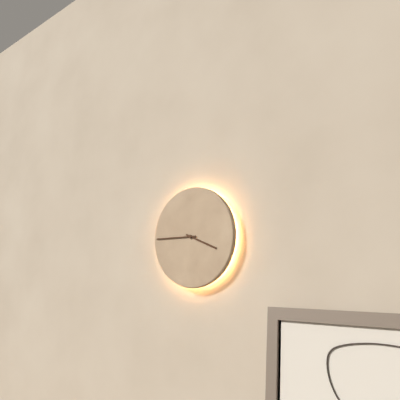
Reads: 3.45
